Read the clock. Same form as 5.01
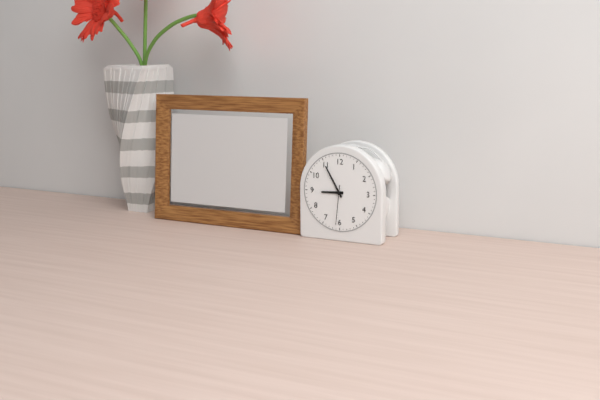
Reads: 8.55
